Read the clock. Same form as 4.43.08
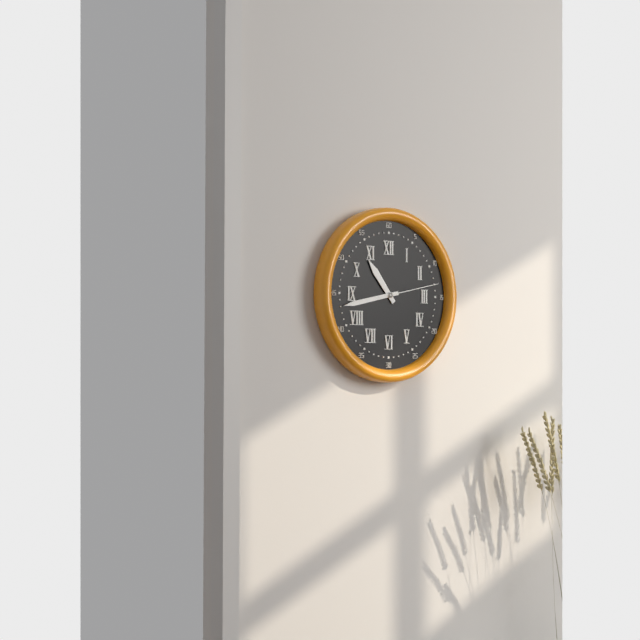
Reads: 10.43.13
